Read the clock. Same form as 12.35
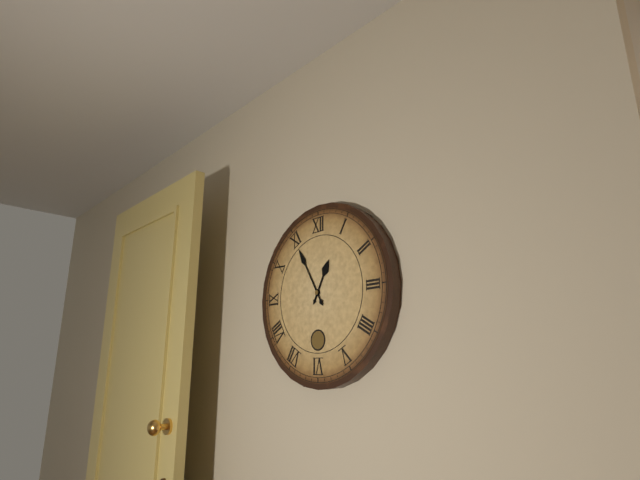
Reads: 12.55
